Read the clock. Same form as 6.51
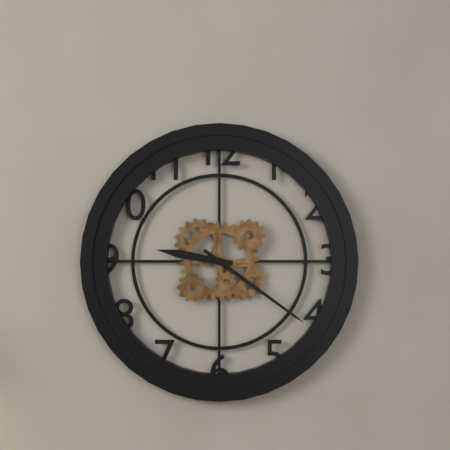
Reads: 9.21
